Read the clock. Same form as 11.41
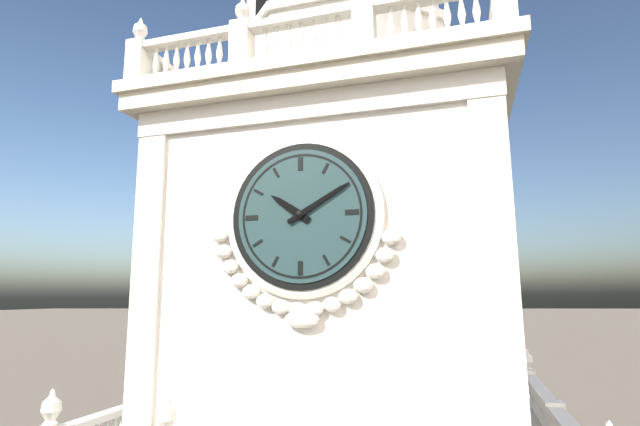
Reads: 10.10
